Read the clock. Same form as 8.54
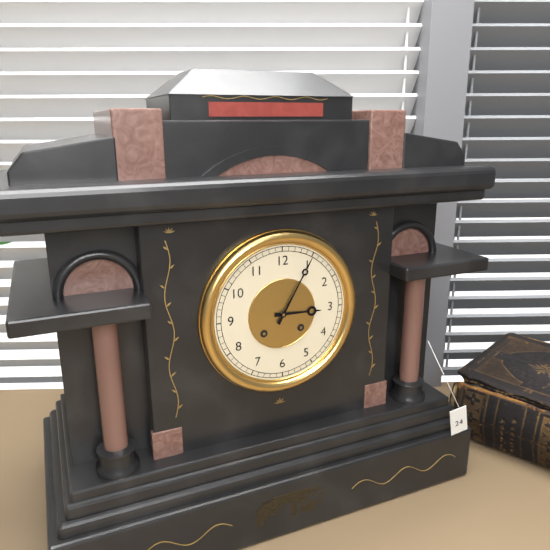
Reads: 3.05
